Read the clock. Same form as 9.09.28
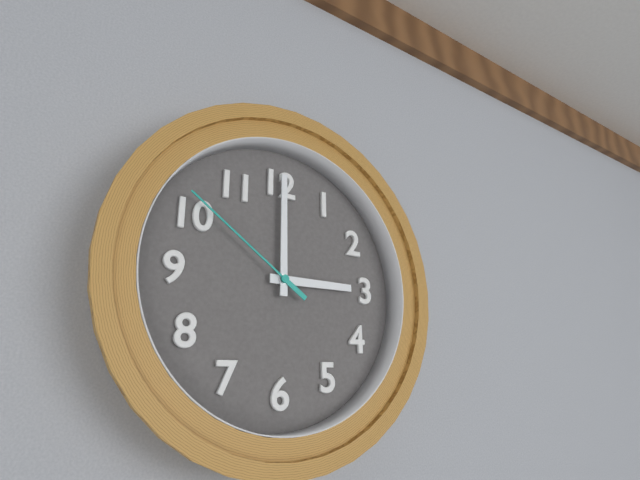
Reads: 3.00.51
